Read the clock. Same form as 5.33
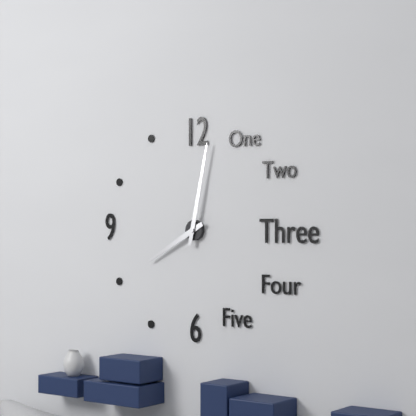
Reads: 8.02
